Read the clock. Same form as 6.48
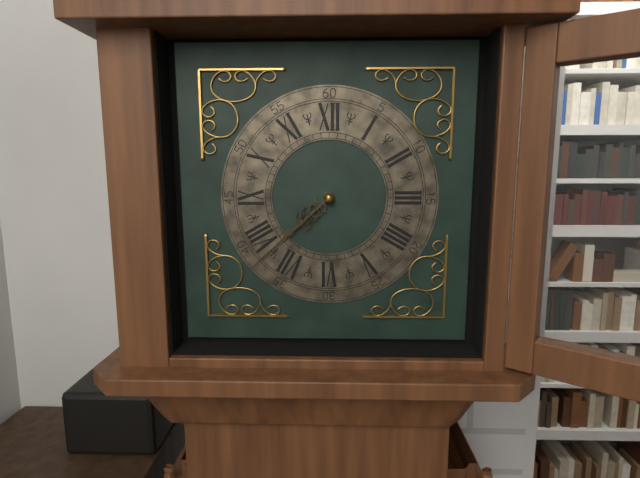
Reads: 7.38
